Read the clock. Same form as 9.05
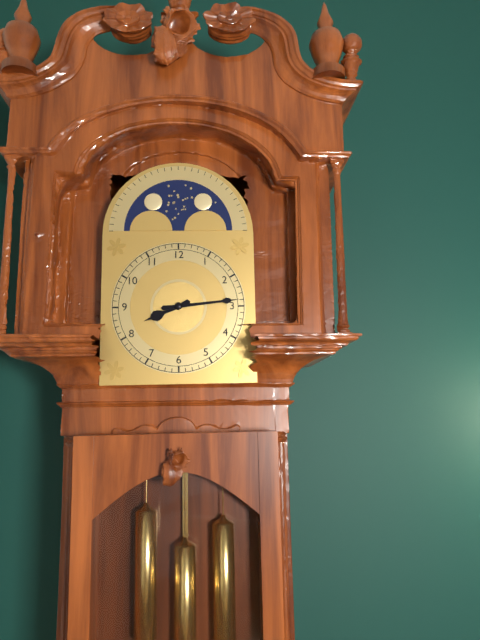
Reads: 8.14
